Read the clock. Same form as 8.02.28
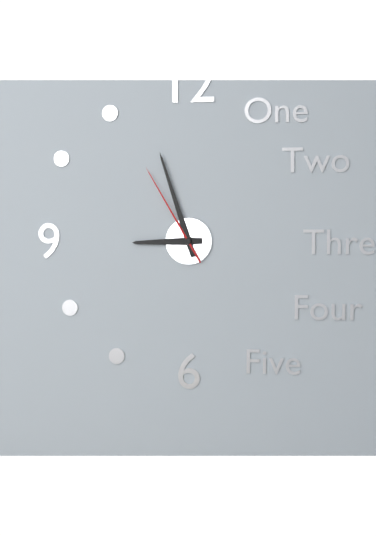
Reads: 8.57.55
